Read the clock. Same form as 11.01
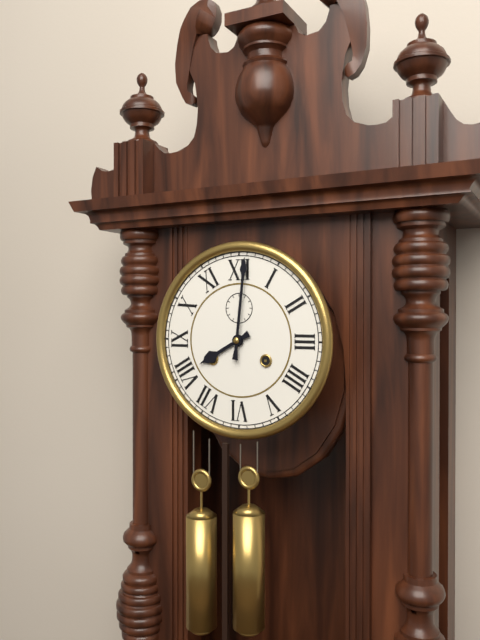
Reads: 8.01
